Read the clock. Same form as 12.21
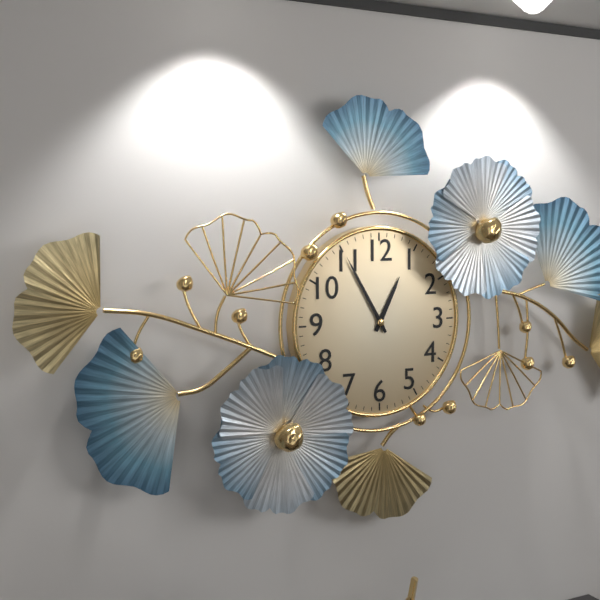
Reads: 12.55
